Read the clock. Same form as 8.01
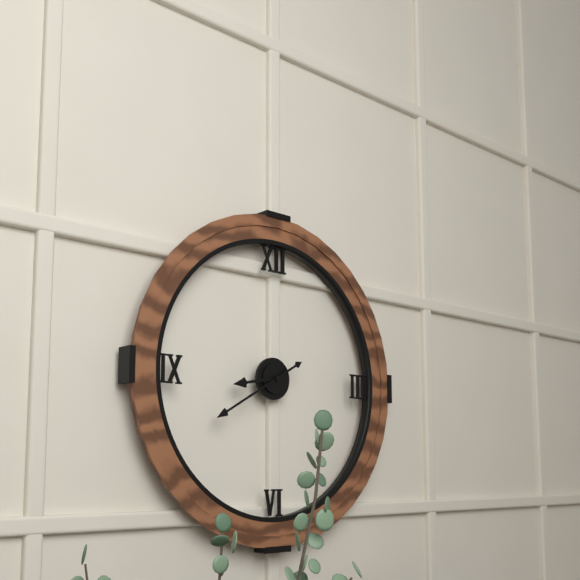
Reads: 8.40
